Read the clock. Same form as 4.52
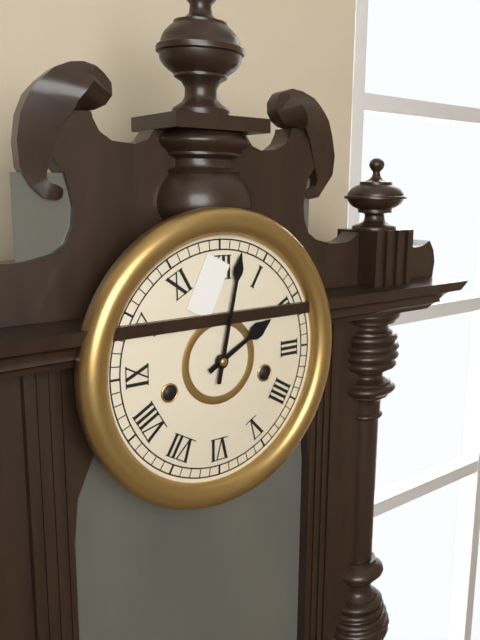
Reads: 2.02
